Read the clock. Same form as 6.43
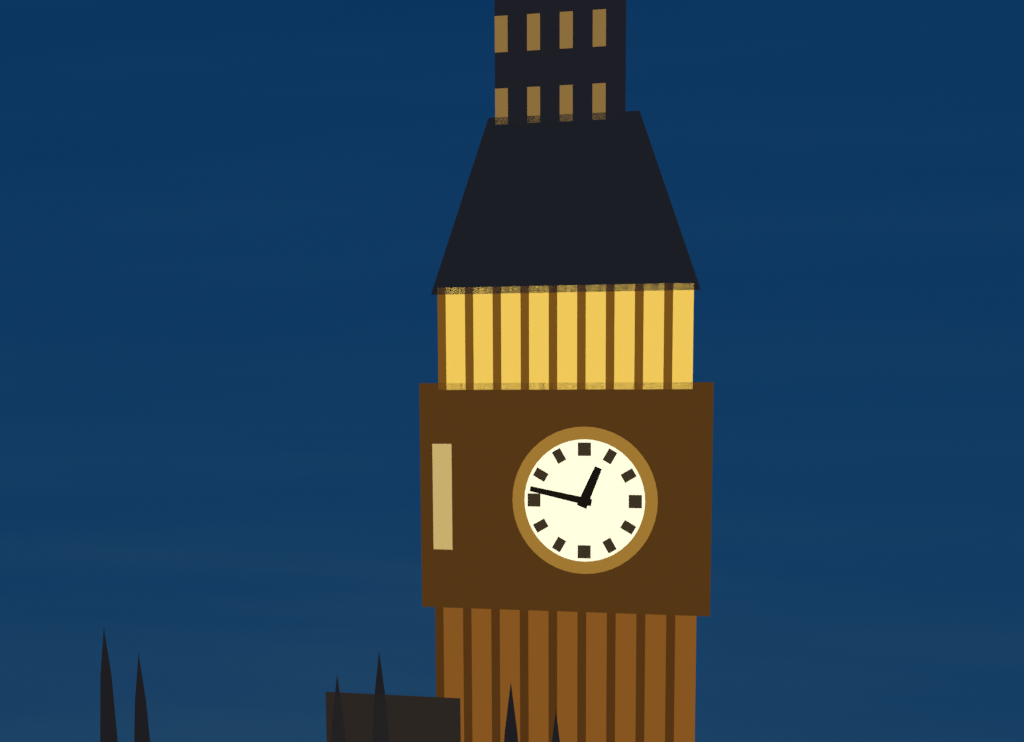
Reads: 12.47
